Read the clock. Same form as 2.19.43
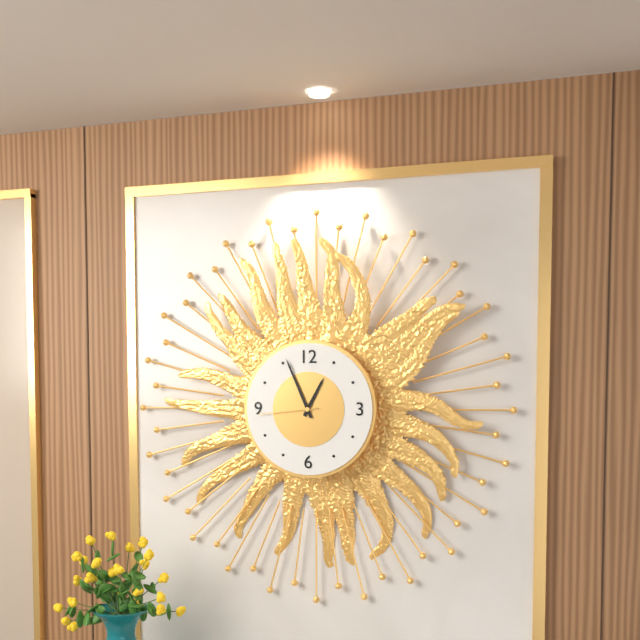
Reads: 12.56.44
